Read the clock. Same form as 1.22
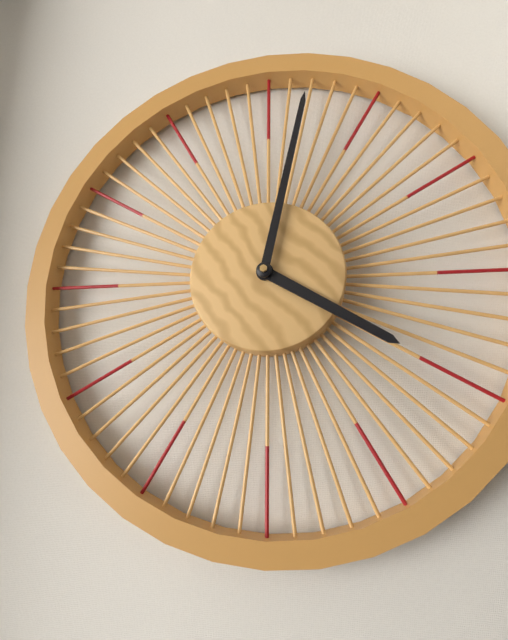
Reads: 4.02
